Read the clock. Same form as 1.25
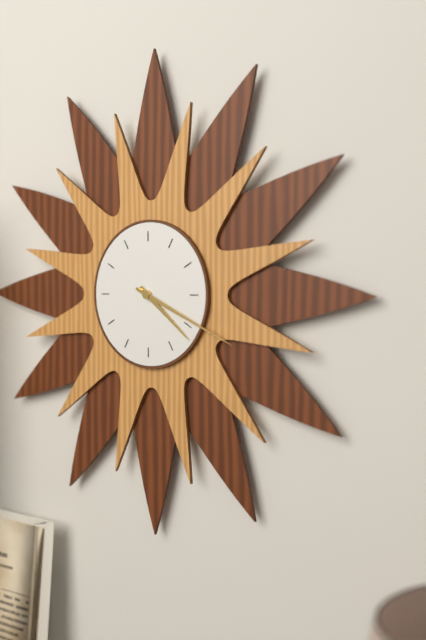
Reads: 4.19
